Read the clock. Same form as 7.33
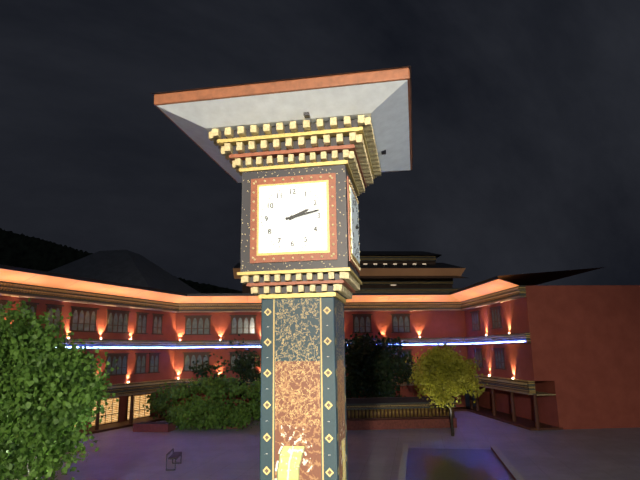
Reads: 2.13
